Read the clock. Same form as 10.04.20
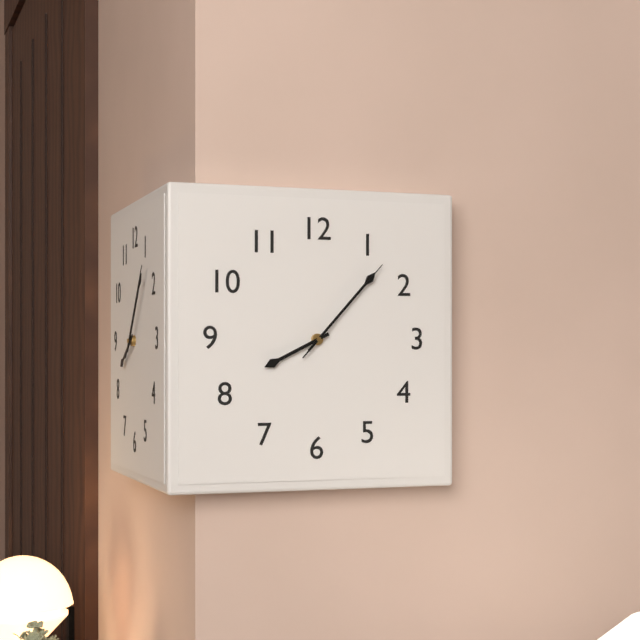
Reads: 8.07.07
